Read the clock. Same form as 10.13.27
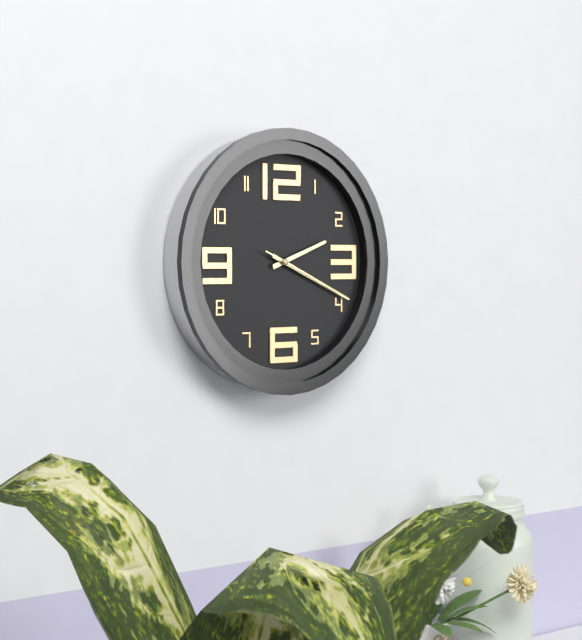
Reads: 2.19.19
